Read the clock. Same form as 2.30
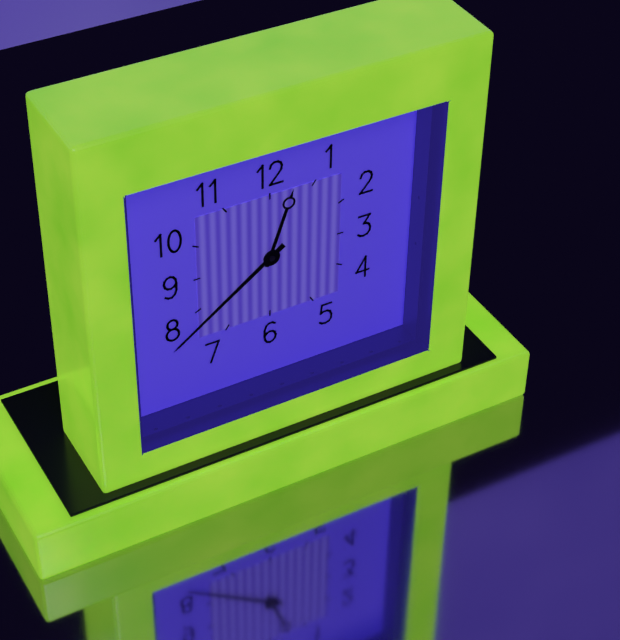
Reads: 12.39
